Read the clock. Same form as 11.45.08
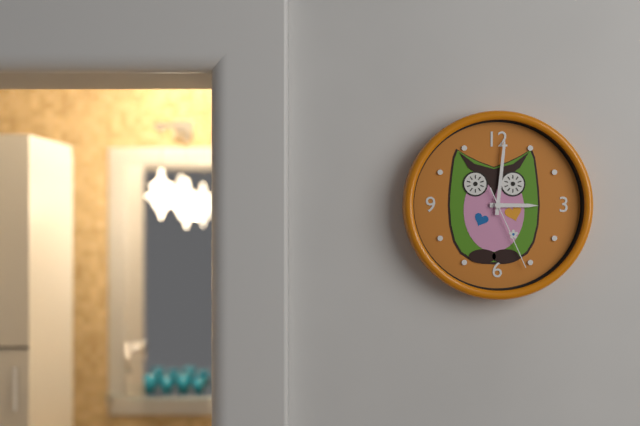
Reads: 3.01.26
